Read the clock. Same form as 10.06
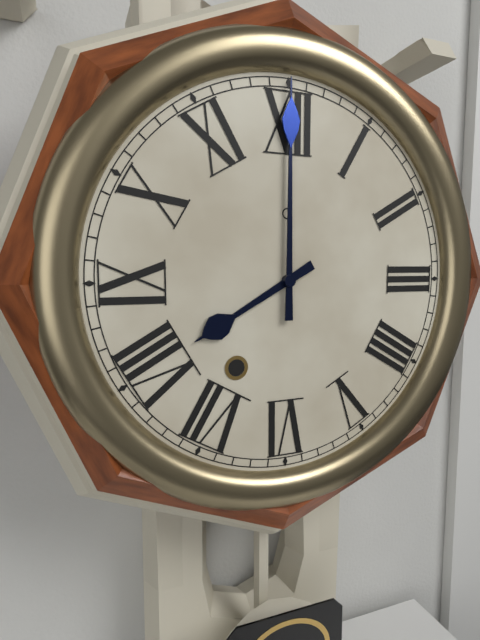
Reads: 8.00
